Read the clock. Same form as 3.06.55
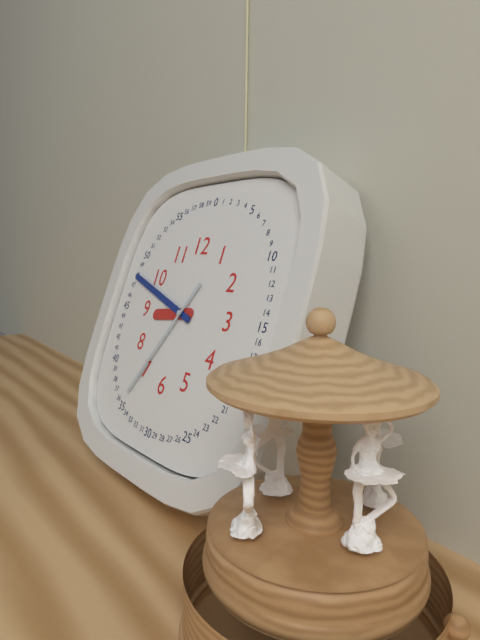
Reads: 8.48.35
